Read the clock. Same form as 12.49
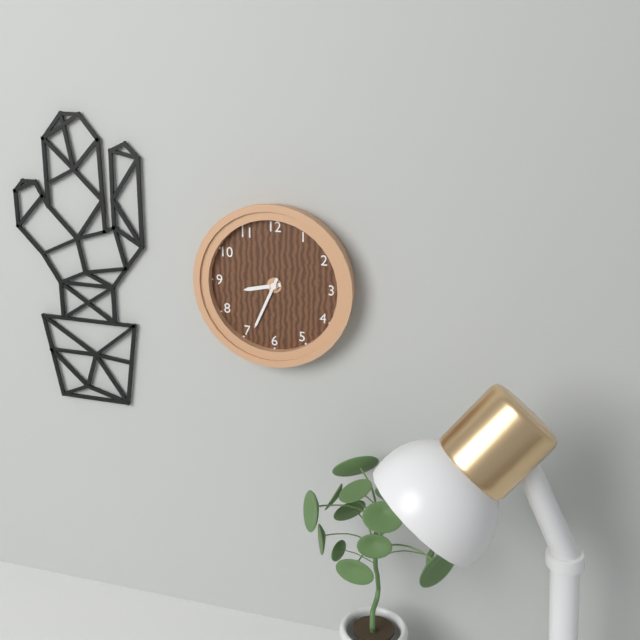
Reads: 8.34
